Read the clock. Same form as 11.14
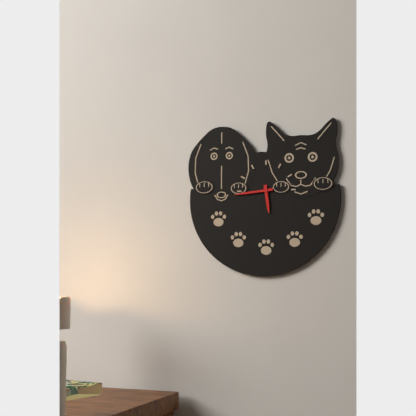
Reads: 5.44
